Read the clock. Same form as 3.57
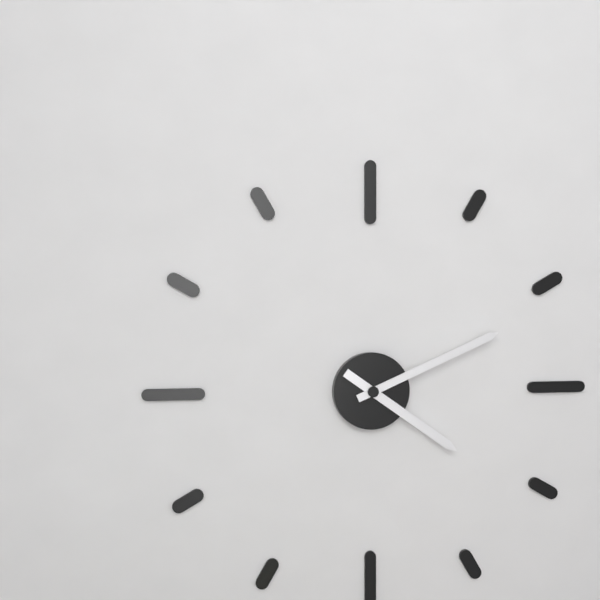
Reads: 4.11
